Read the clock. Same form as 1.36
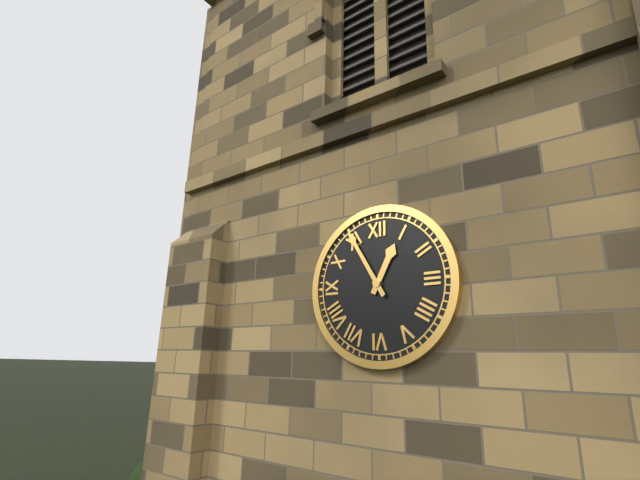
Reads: 12.55
